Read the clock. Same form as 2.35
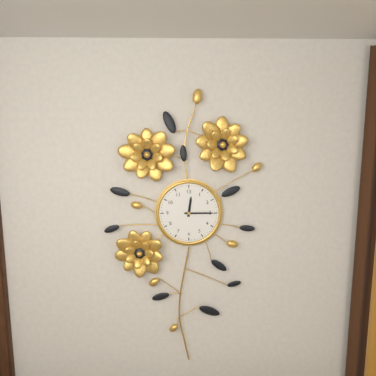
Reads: 12.15
